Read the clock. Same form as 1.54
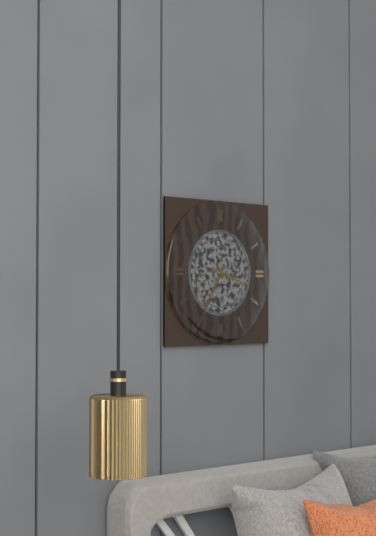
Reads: 3.35
